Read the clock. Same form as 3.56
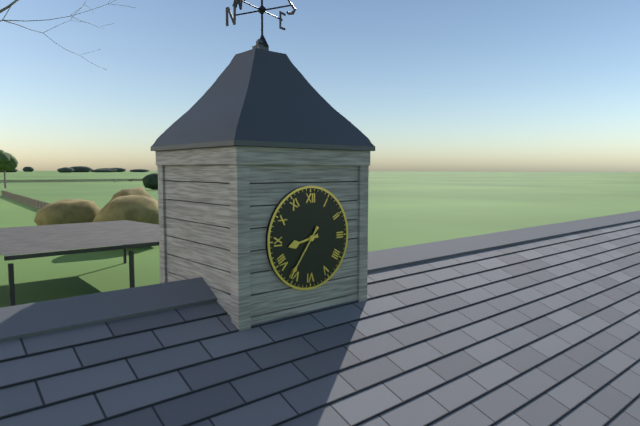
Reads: 8.36
